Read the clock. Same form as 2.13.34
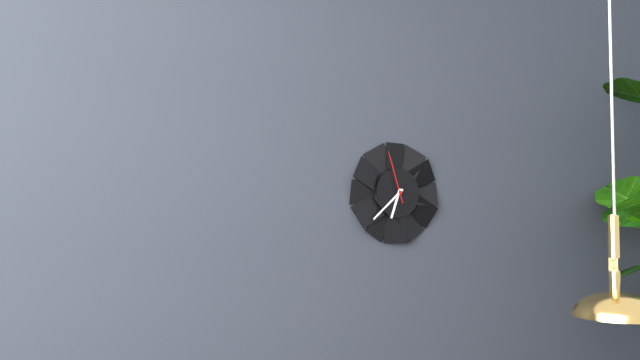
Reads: 6.38.57
